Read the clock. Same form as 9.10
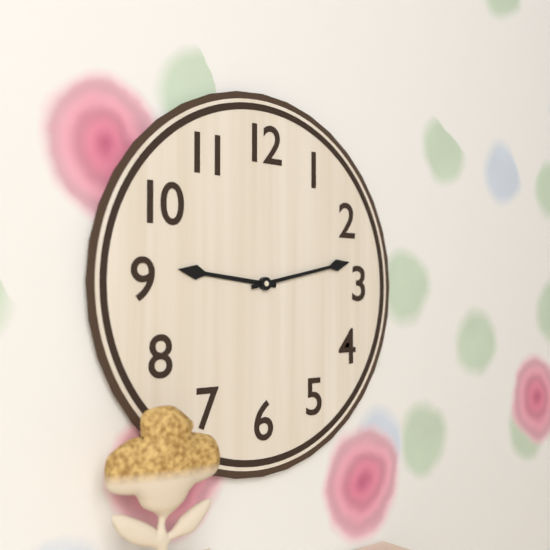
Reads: 9.13
